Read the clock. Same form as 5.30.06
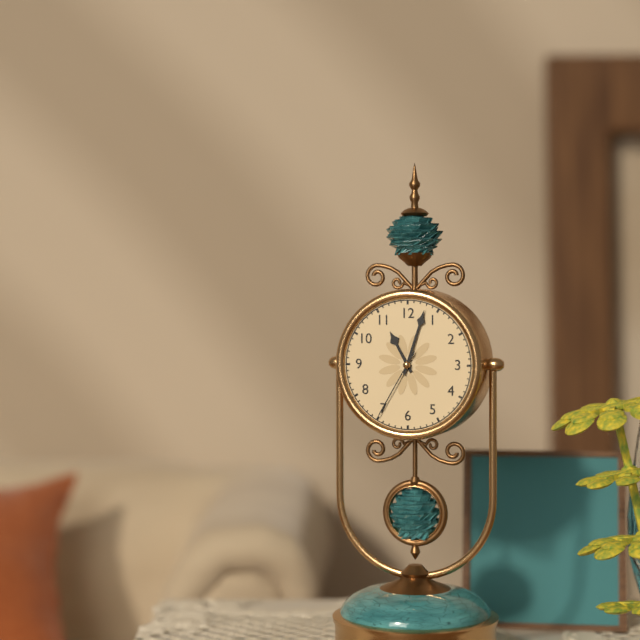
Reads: 11.03.35
